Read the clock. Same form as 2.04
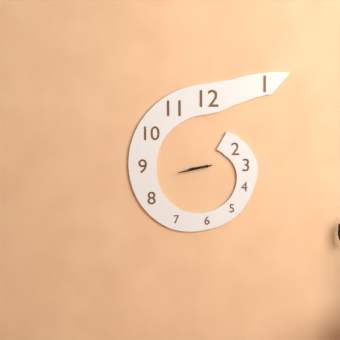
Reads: 8.43
